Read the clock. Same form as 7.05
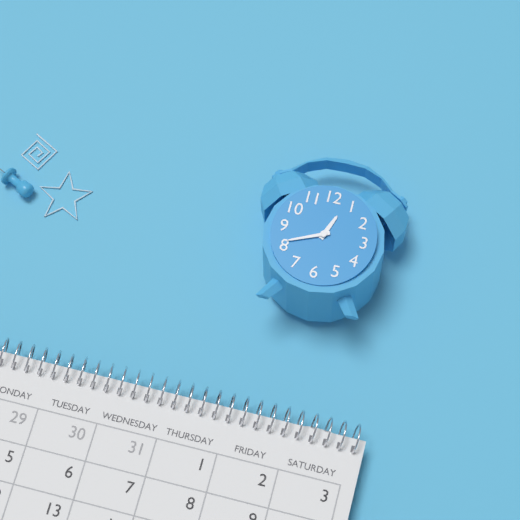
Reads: 12.41
